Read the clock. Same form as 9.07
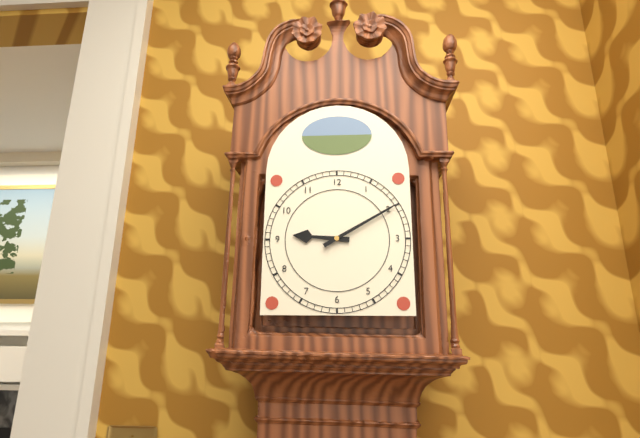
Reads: 9.10
